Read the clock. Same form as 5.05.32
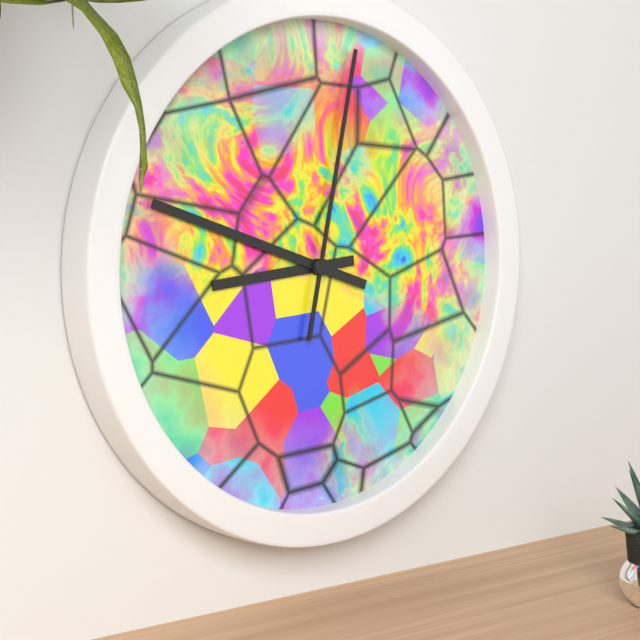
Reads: 8.48.02
